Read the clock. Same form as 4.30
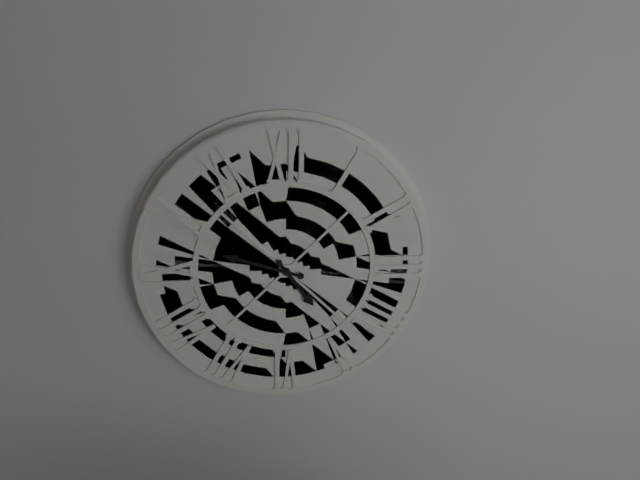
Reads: 4.48
